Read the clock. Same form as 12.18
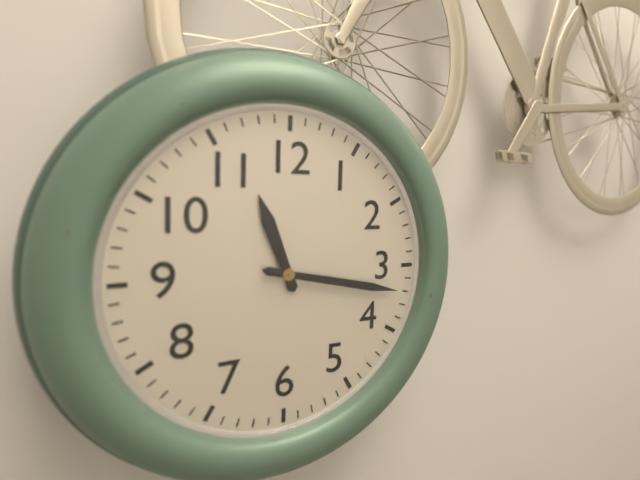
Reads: 11.17
